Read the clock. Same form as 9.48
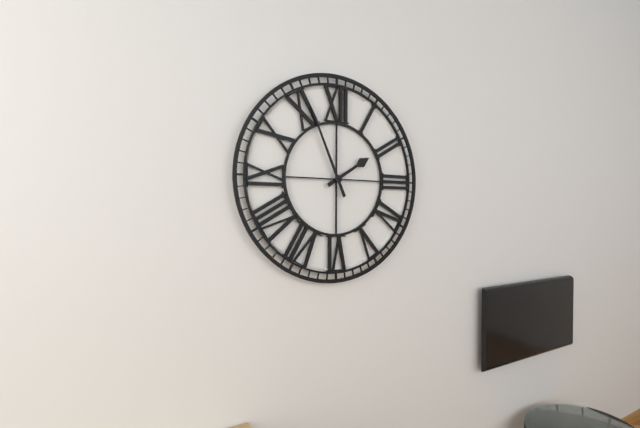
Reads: 1.56
